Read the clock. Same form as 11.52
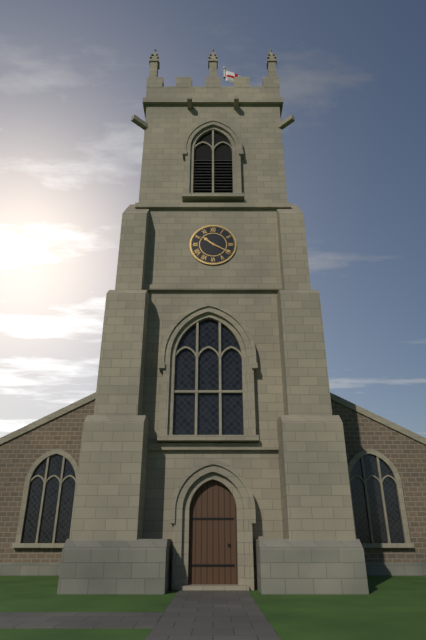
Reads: 10.20
